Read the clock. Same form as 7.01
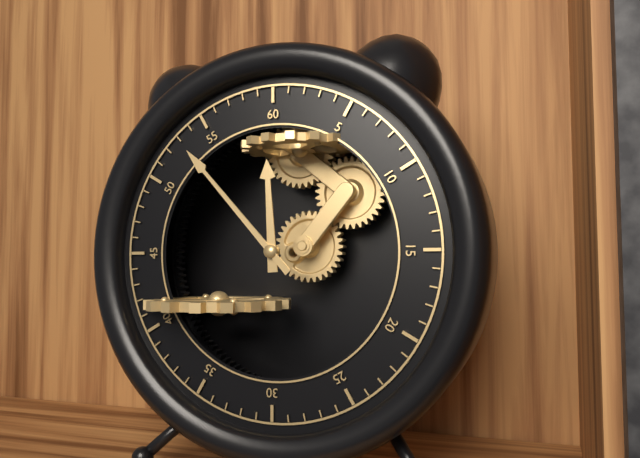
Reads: 11.53
